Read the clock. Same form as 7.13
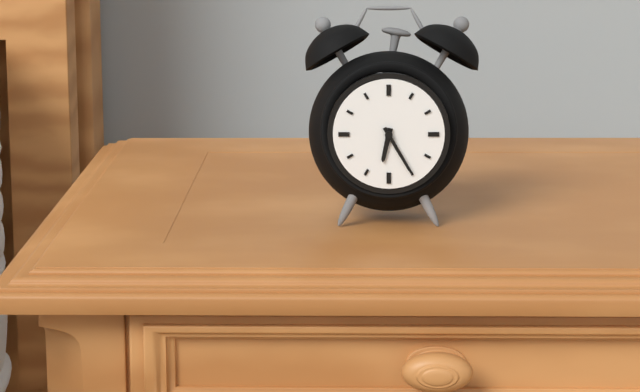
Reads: 6.25
